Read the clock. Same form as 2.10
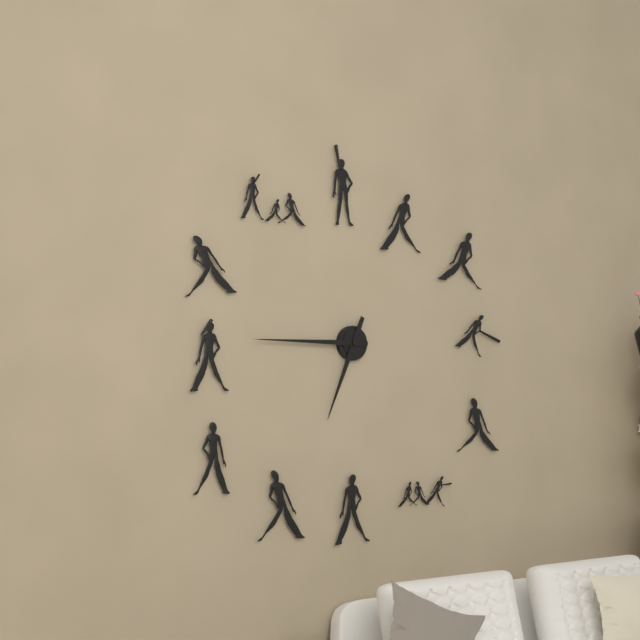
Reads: 6.45
